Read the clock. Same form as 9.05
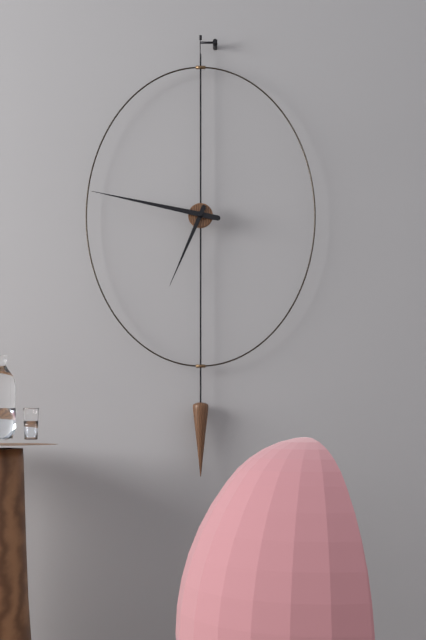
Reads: 6.47
